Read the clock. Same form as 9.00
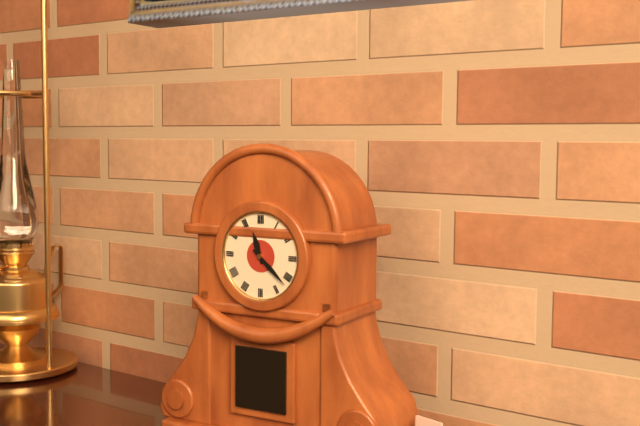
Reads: 11.22
